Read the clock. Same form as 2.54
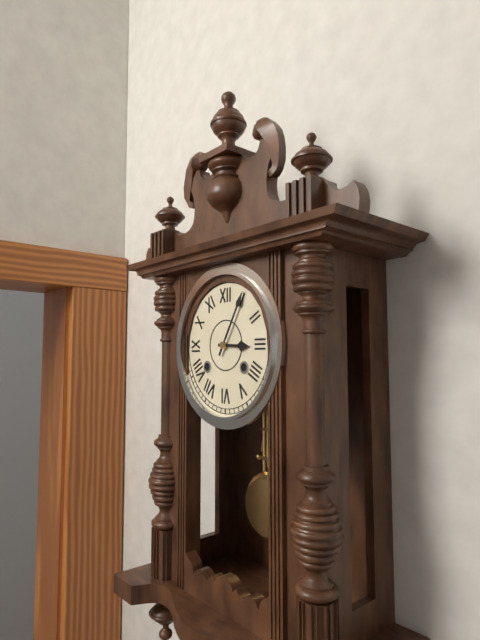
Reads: 3.05
